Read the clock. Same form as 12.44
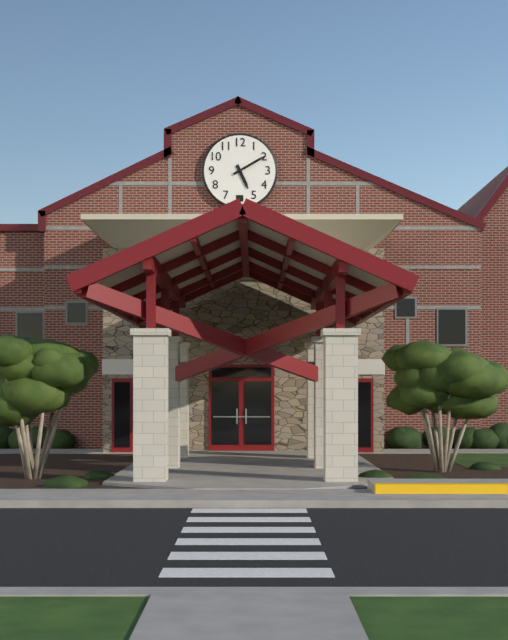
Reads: 5.10
